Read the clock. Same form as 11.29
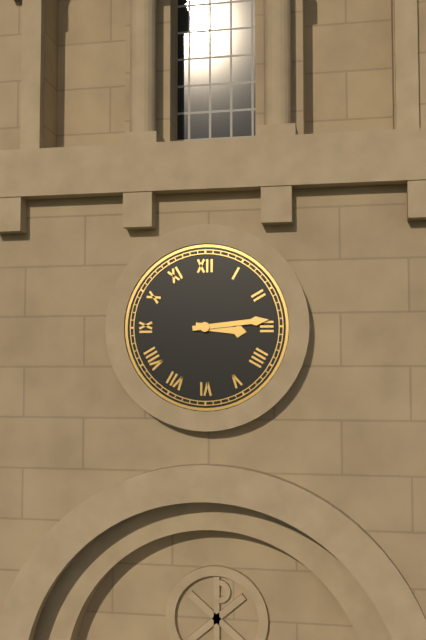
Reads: 3.14
